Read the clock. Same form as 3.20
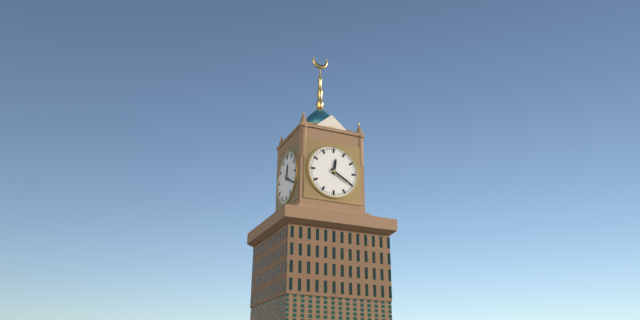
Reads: 12.20
